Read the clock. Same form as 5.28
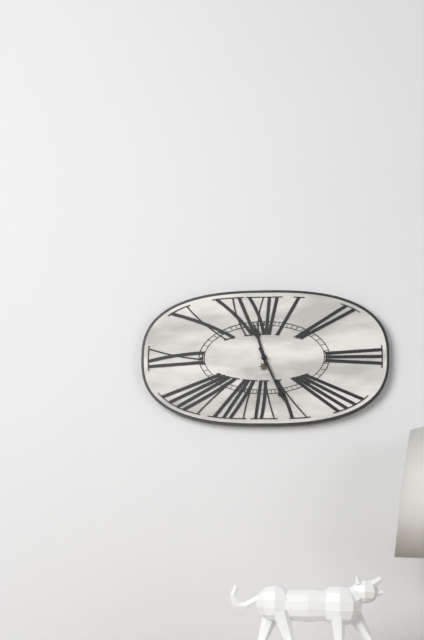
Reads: 11.26
